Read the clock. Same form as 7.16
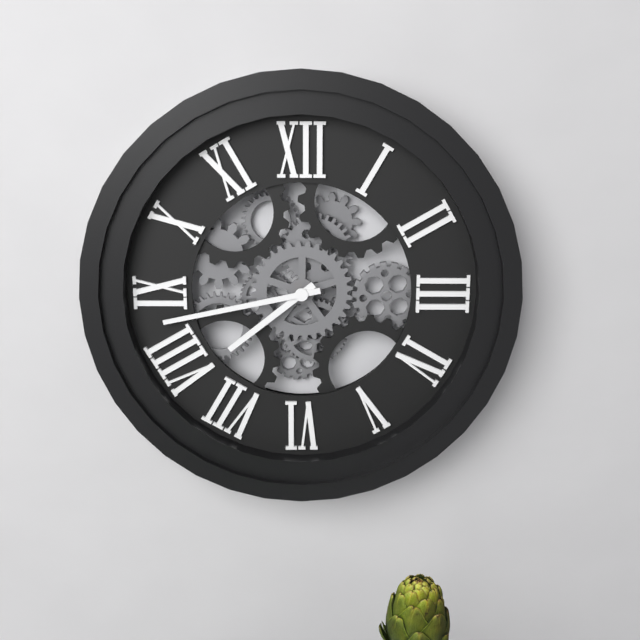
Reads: 7.43
